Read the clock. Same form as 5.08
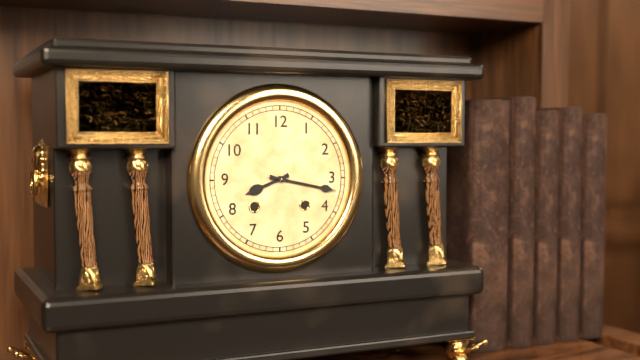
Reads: 8.17
